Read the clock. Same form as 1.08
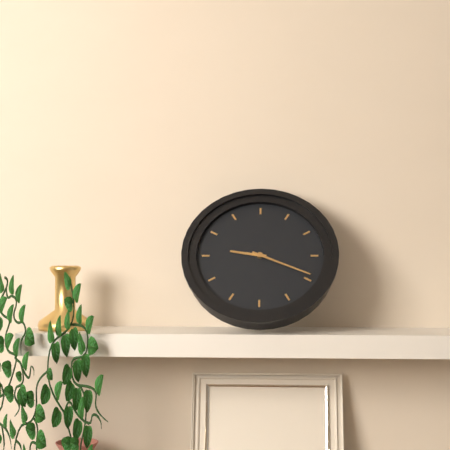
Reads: 9.19
